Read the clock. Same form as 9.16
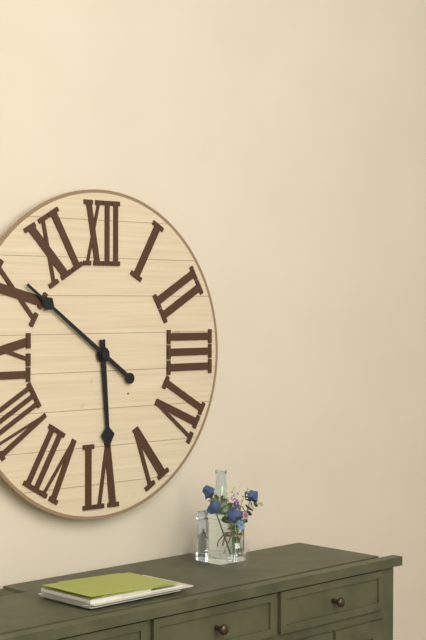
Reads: 5.51
